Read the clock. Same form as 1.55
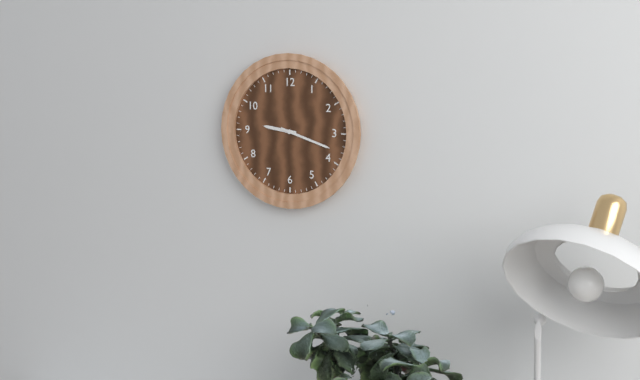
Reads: 9.18
